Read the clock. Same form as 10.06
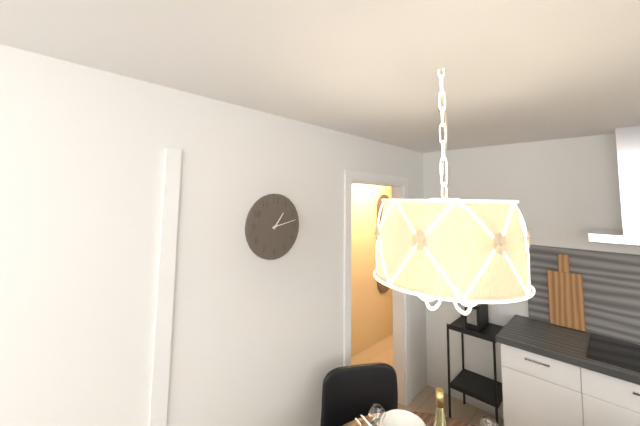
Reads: 1.13
